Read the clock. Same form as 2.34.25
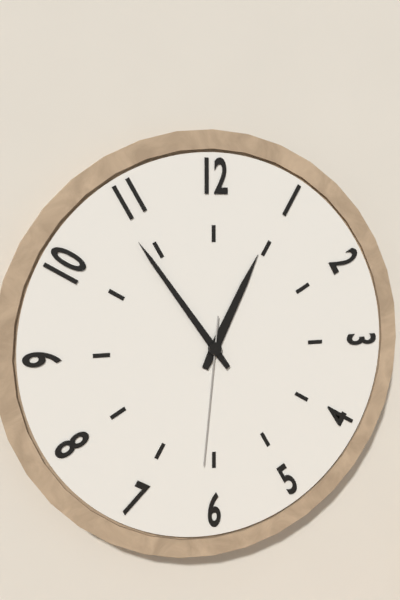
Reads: 12.54.31
